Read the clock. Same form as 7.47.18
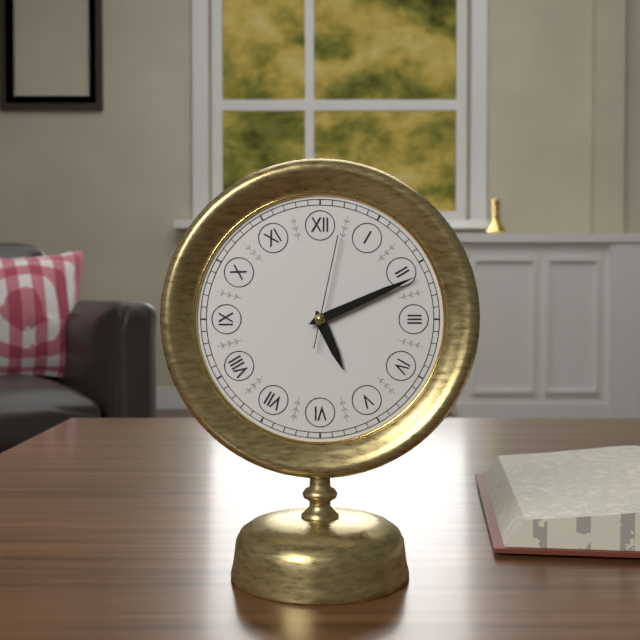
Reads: 5.11.02
